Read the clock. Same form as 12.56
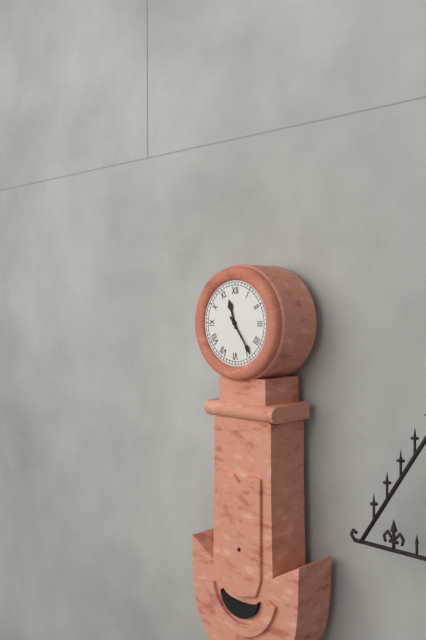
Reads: 11.24
